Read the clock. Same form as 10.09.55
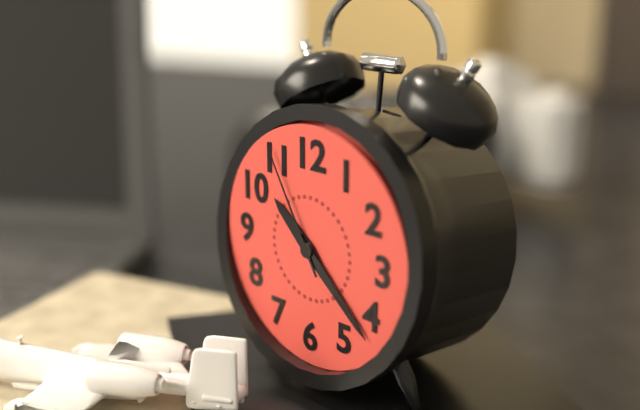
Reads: 10.22.55
